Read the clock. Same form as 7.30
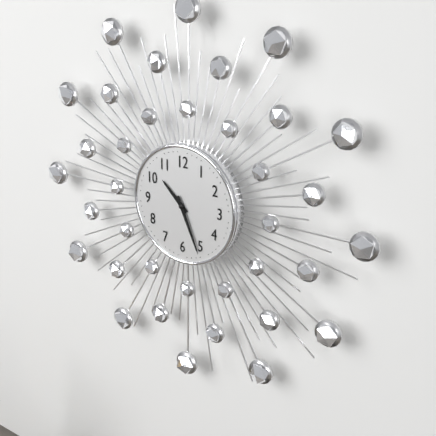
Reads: 10.26
